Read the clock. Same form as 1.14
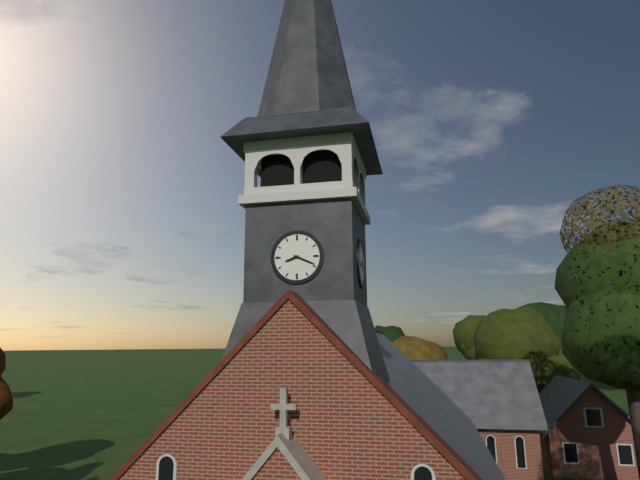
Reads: 8.19
